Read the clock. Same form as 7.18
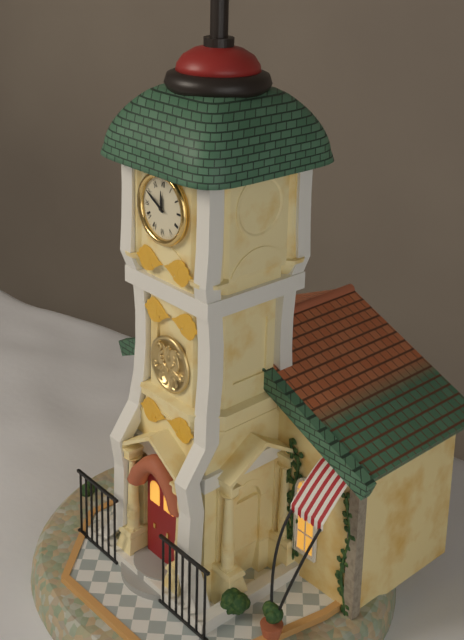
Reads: 11.50
